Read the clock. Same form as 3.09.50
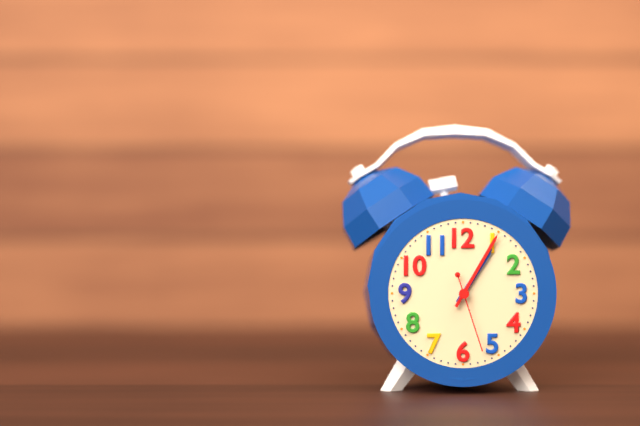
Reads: 1.05.27
